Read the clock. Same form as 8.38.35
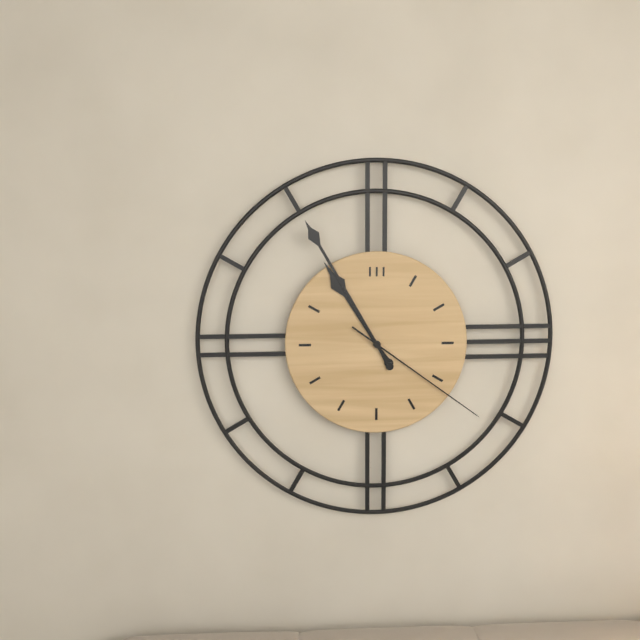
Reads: 10.55.21
